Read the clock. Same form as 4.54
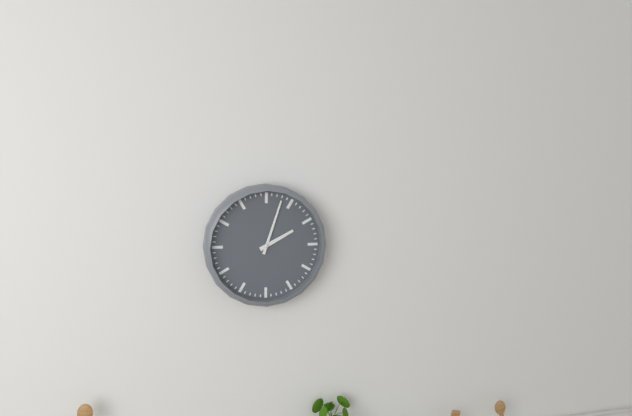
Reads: 2.03
